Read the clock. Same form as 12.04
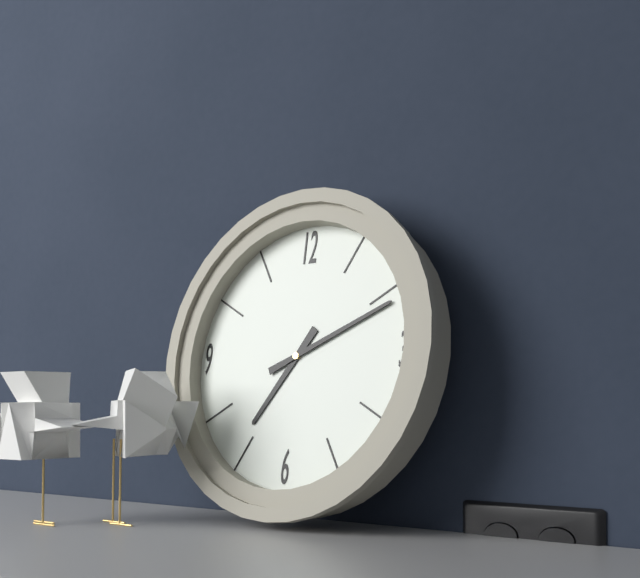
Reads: 7.11
